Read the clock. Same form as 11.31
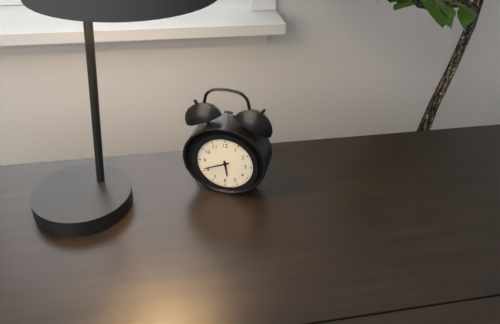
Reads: 5.41
